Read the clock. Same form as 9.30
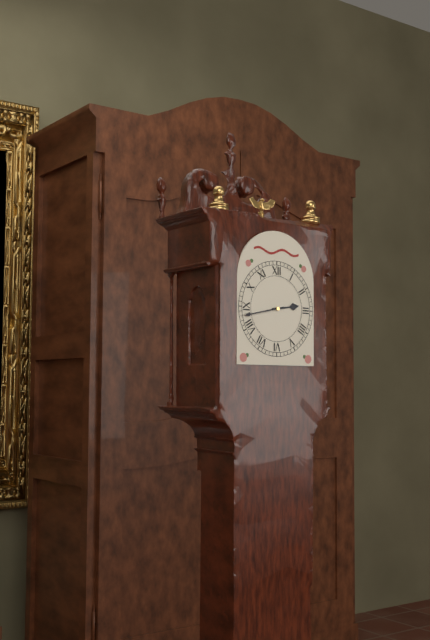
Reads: 2.43
